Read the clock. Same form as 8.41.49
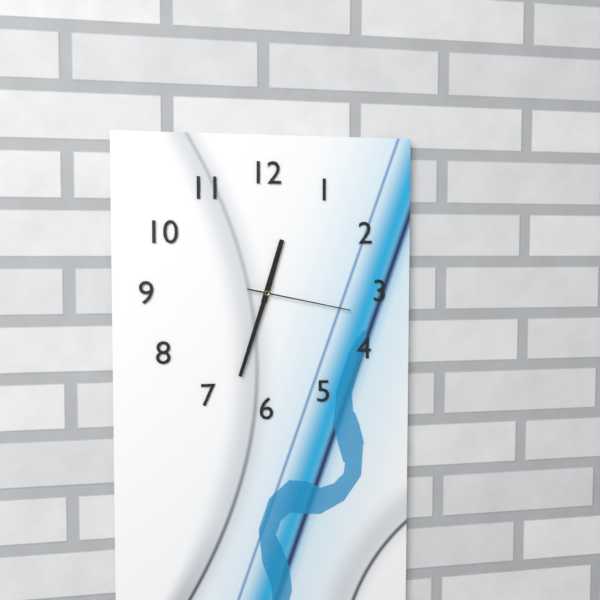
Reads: 12.33.17
